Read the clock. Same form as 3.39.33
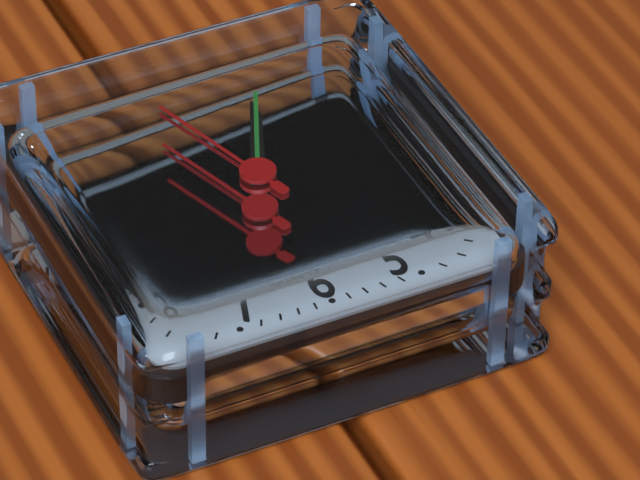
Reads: 9.04.57
